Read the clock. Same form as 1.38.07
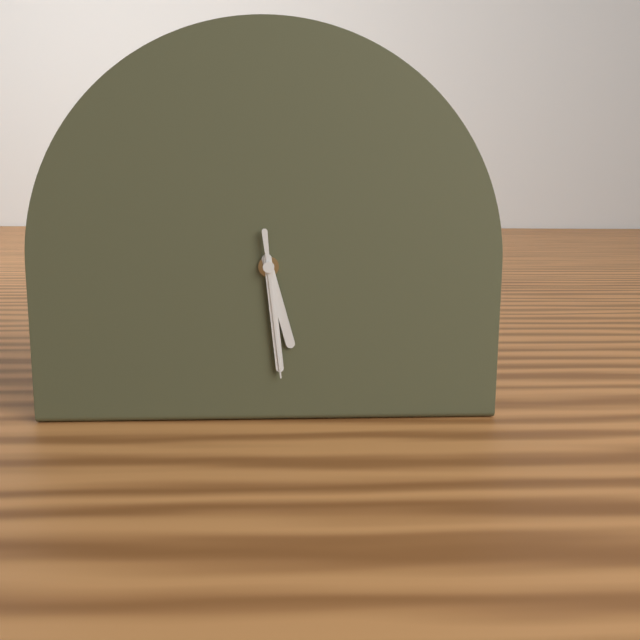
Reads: 5.29.29
